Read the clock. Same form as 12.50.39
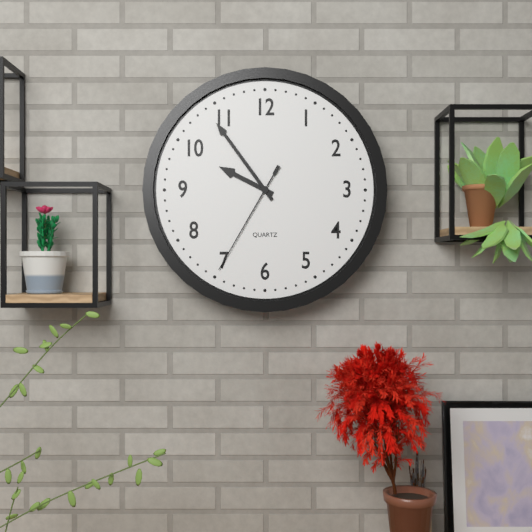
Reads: 9.54.35
